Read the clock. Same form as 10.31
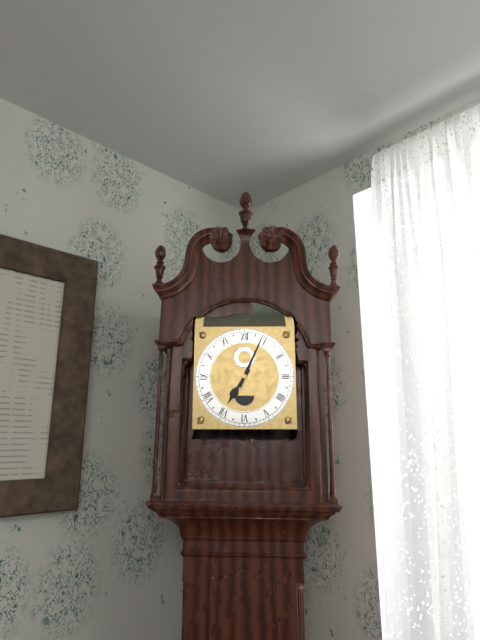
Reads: 7.04
